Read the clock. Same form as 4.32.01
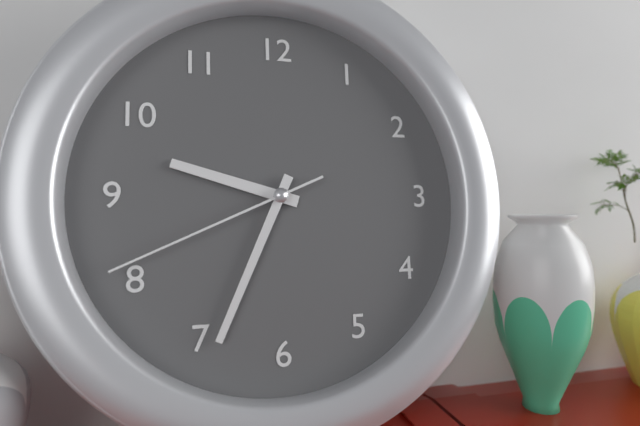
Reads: 9.34.41
